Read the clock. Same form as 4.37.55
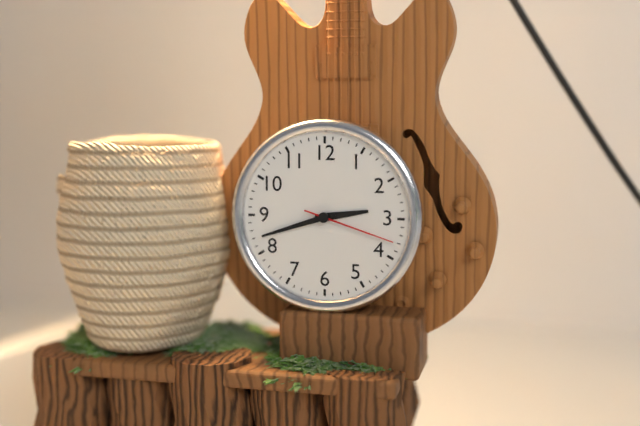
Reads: 2.42.18
